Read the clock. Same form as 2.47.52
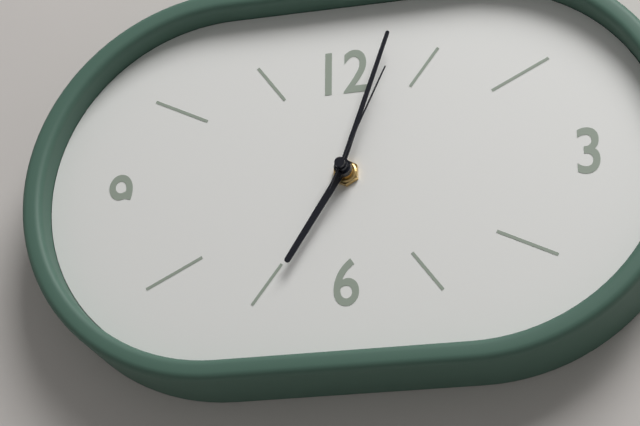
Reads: 7.03.04
